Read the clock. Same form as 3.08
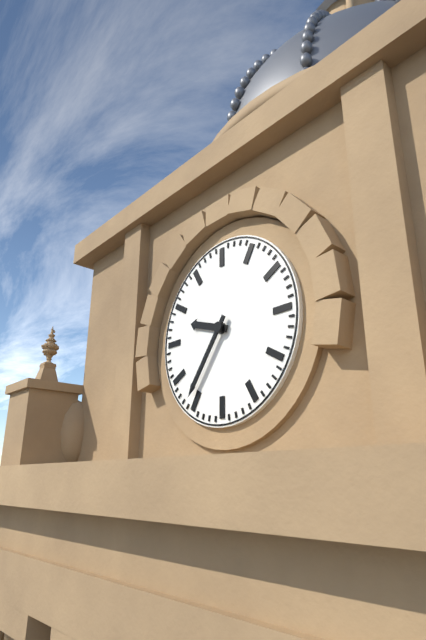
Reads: 9.36
